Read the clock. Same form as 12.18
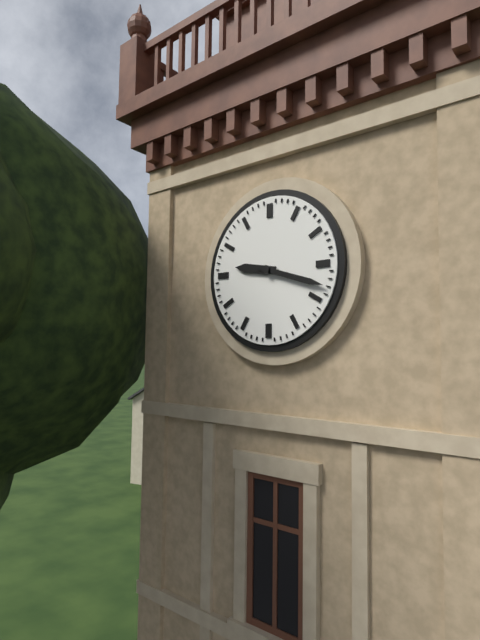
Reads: 9.18
